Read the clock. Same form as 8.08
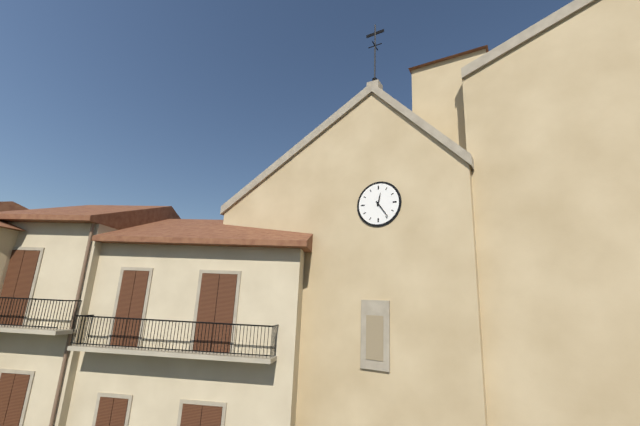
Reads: 12.24
